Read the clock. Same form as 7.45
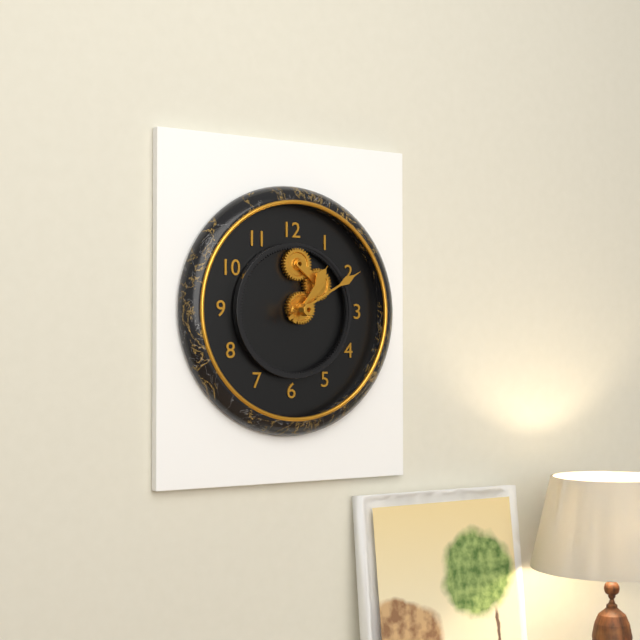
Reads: 1.10
